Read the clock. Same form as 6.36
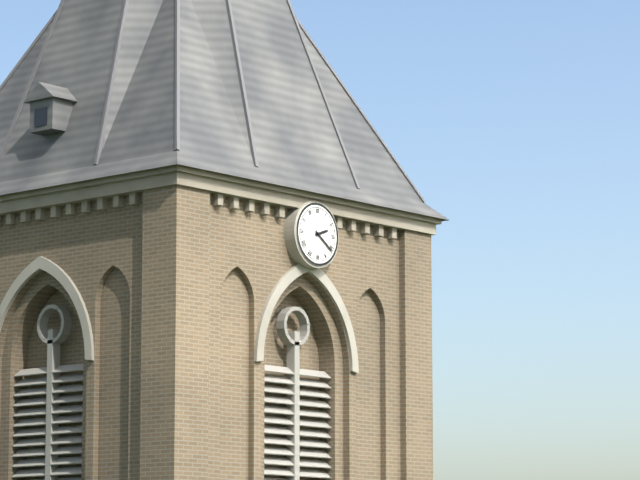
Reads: 2.21
